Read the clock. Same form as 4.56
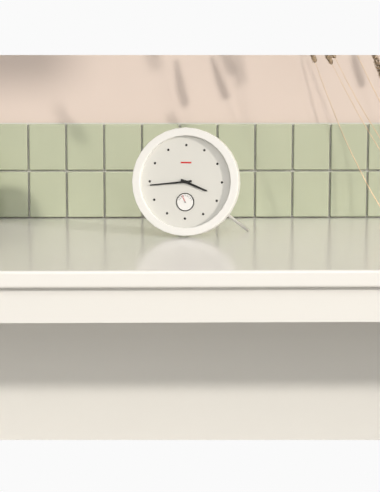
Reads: 3.44
